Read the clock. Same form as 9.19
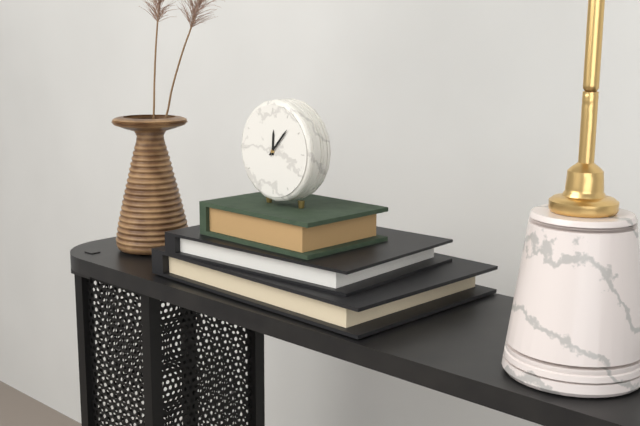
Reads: 12.07
